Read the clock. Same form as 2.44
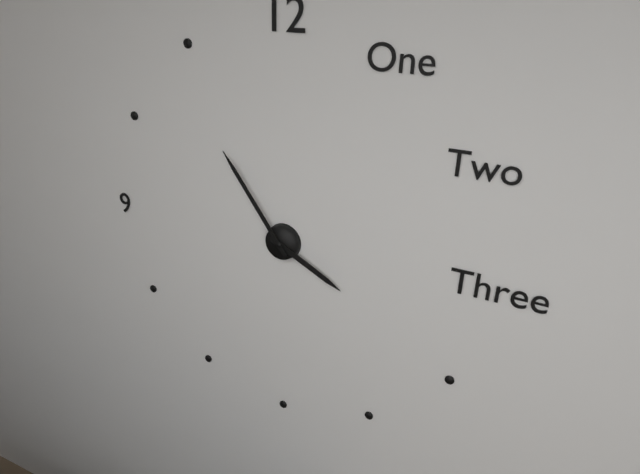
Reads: 3.54
